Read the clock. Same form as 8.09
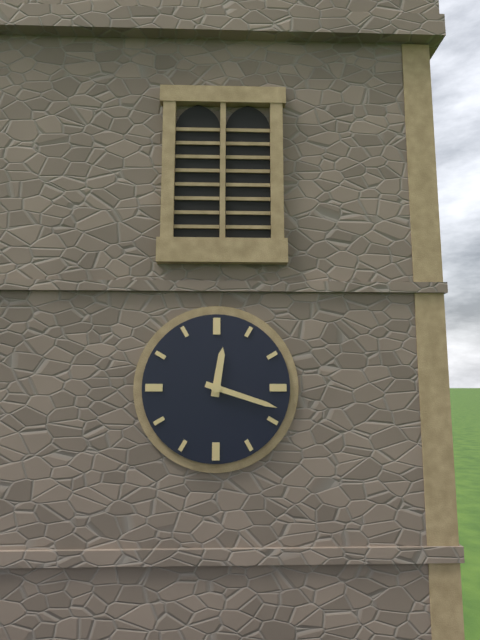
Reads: 12.18
